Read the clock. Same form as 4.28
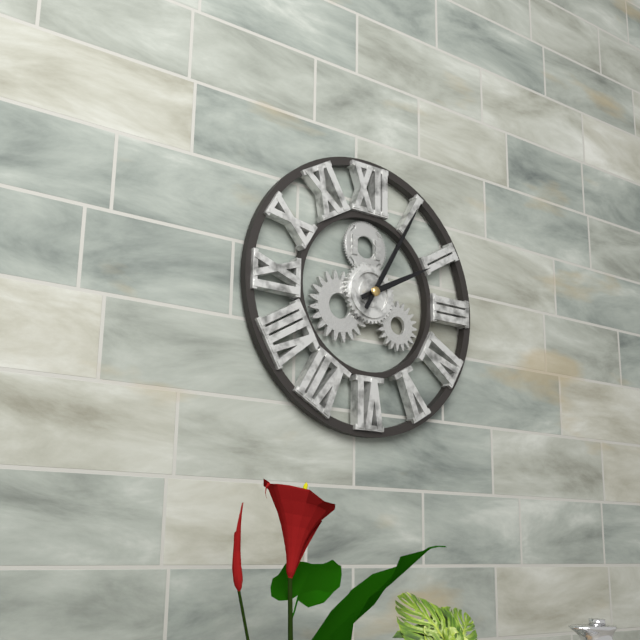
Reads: 2.05
